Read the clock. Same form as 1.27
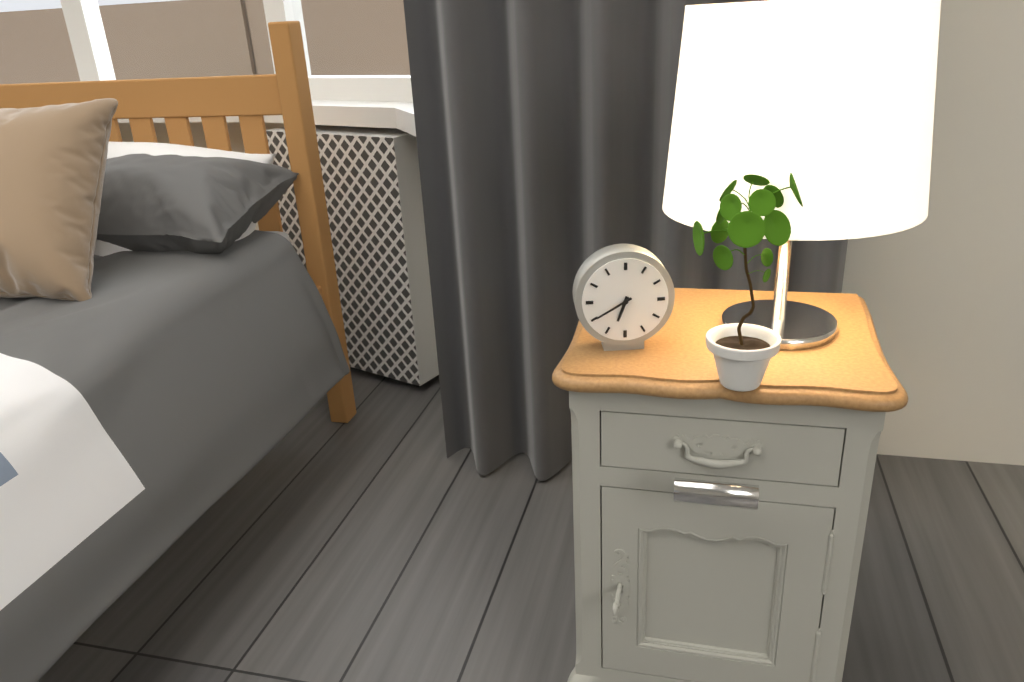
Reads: 6.40
